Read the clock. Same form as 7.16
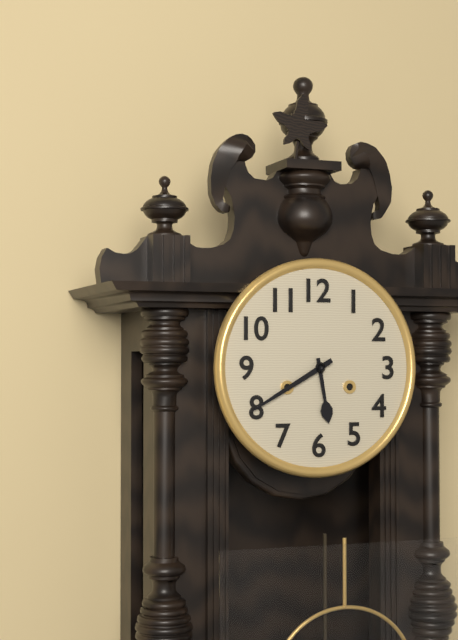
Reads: 5.40
